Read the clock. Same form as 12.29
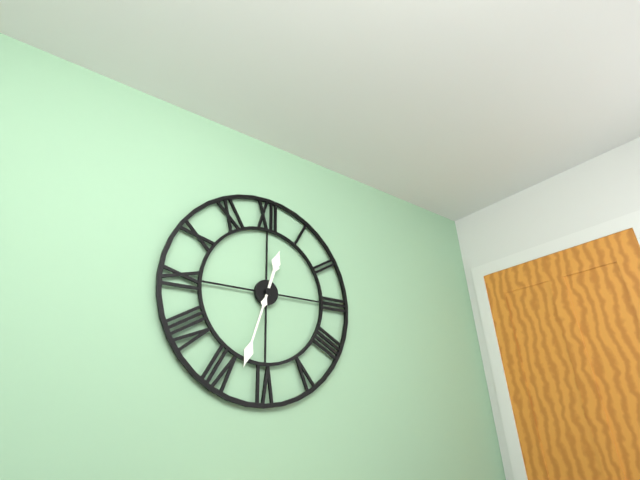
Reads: 12.33
